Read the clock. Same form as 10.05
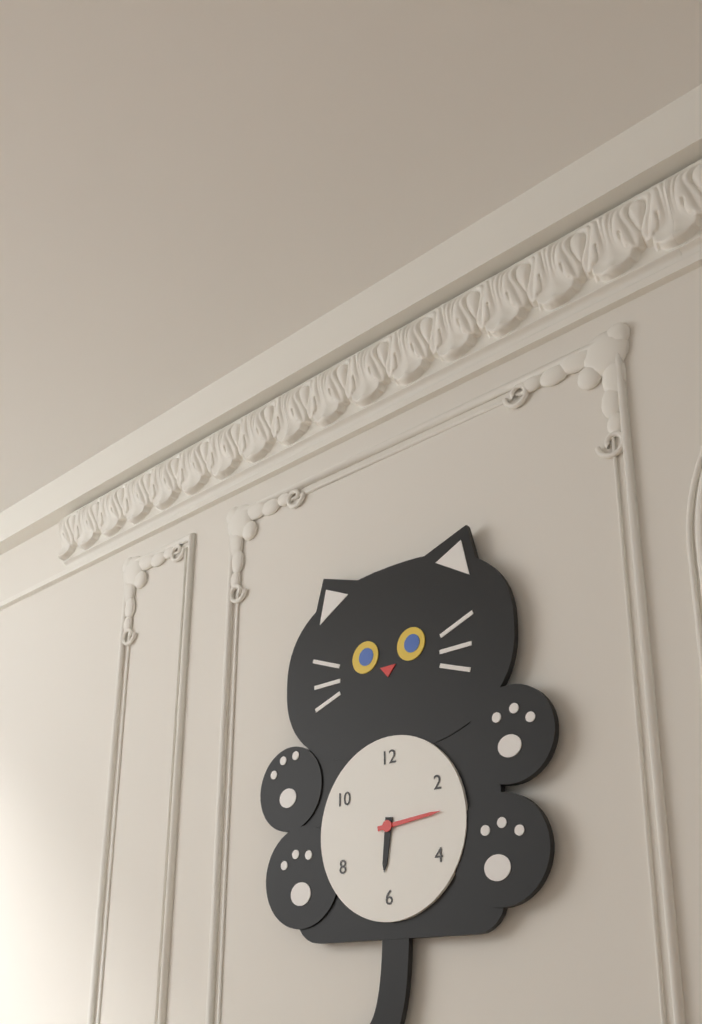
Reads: 6.14
